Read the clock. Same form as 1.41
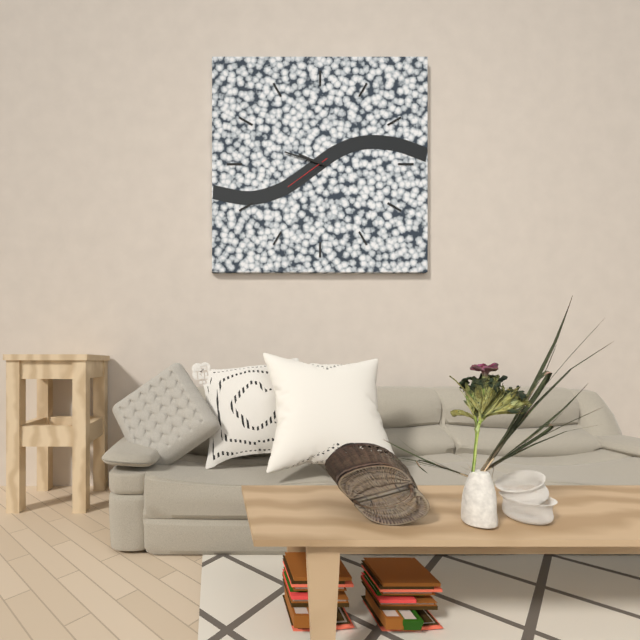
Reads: 9.48
